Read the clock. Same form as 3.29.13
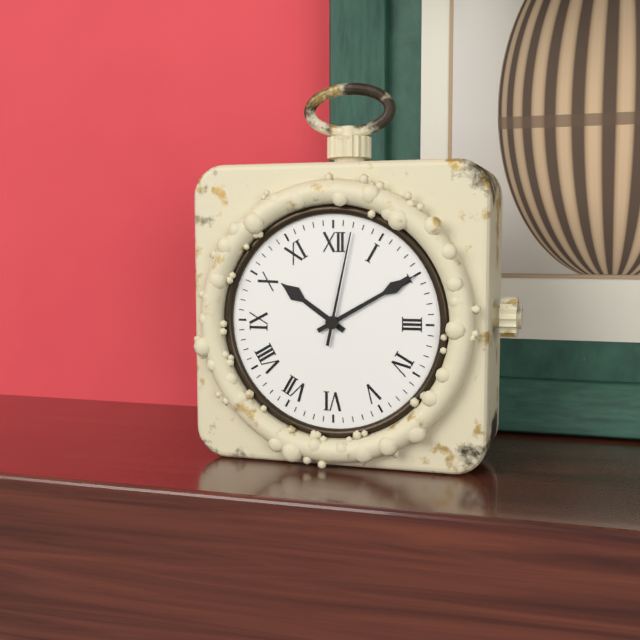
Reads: 10.10.02
